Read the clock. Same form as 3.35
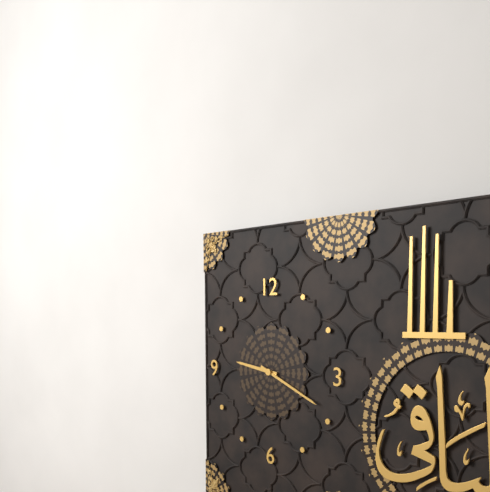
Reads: 9.19
